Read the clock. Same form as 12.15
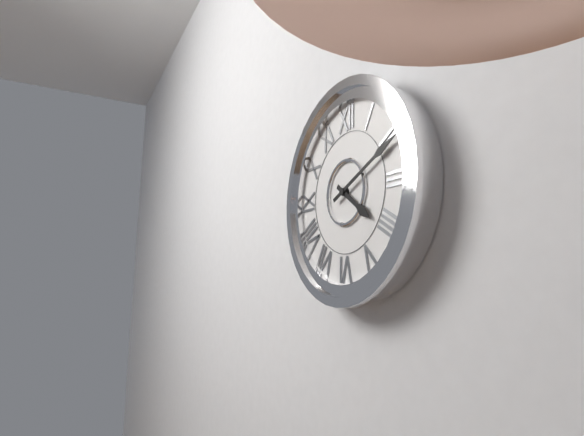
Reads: 4.11
